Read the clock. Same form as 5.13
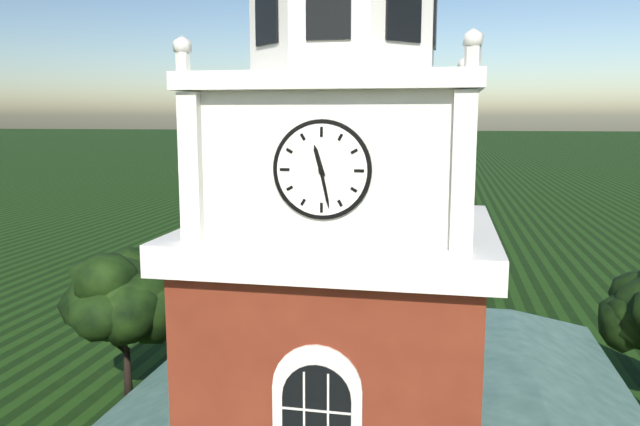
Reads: 11.28
